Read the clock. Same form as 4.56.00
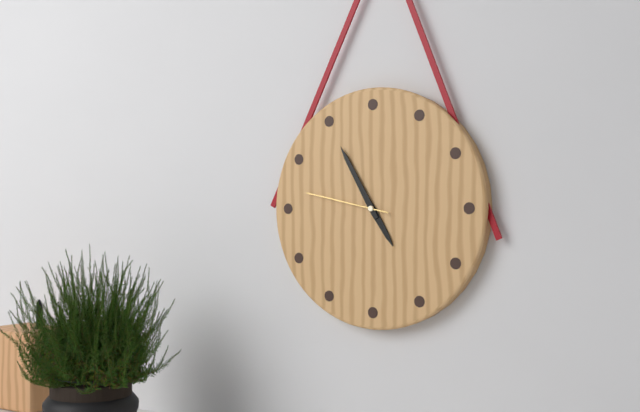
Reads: 4.55.47
